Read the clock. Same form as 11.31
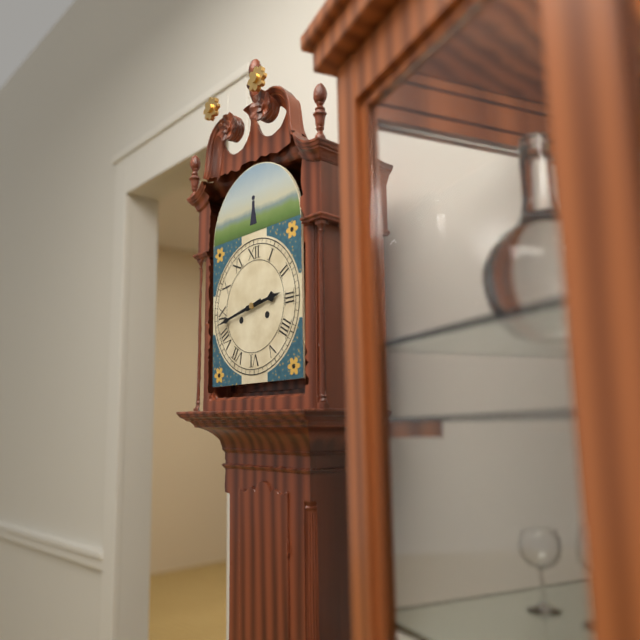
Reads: 2.43
